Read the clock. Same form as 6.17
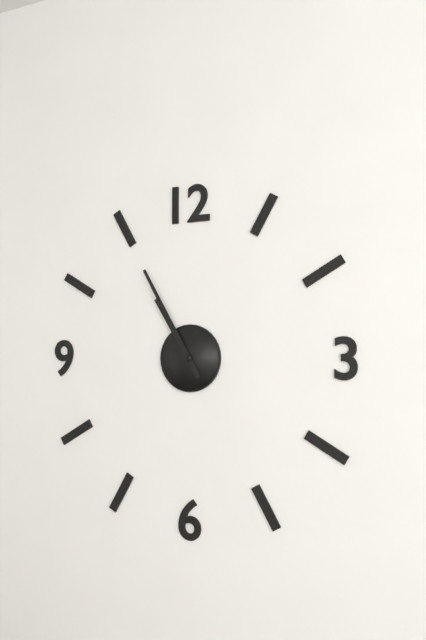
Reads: 10.55
